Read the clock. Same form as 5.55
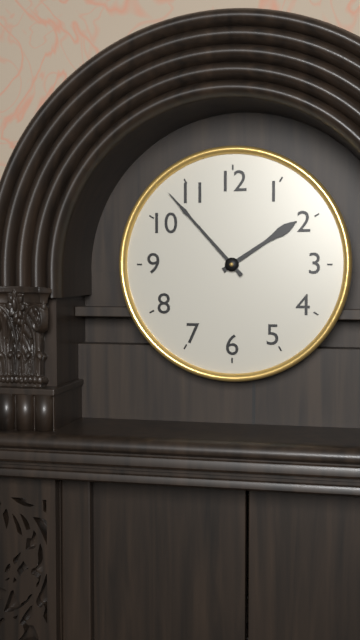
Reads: 1.53
